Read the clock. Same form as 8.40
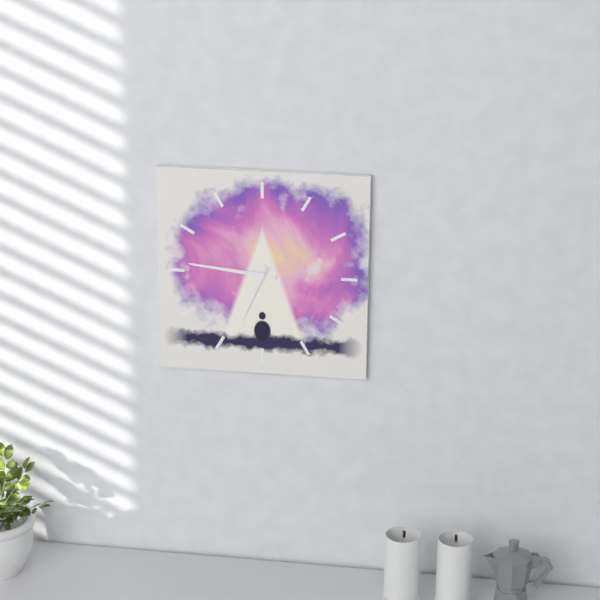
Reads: 6.46
